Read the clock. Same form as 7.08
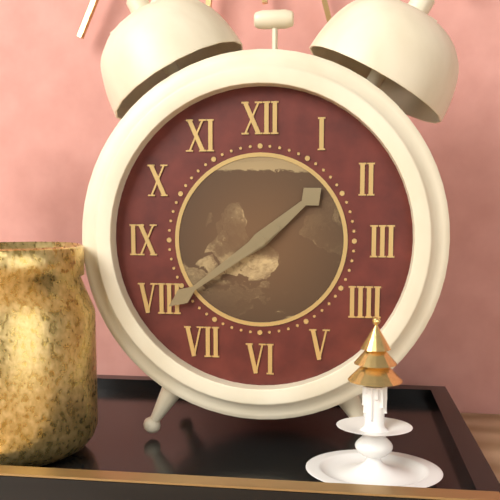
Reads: 1.39
